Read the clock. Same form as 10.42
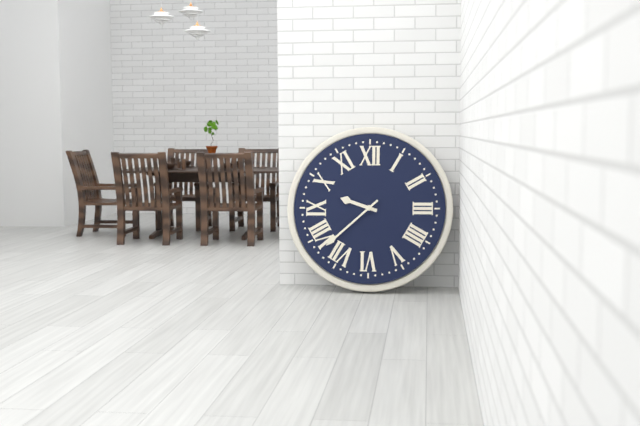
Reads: 9.38
